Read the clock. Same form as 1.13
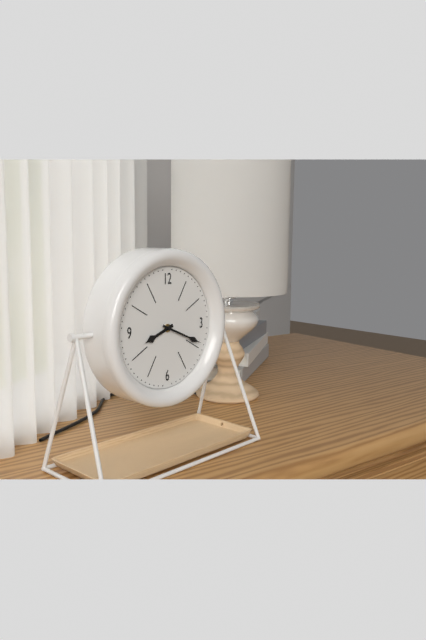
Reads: 8.19
